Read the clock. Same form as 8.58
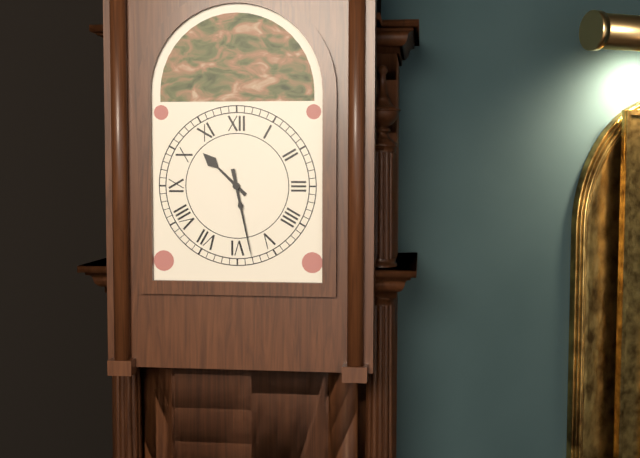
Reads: 10.28
